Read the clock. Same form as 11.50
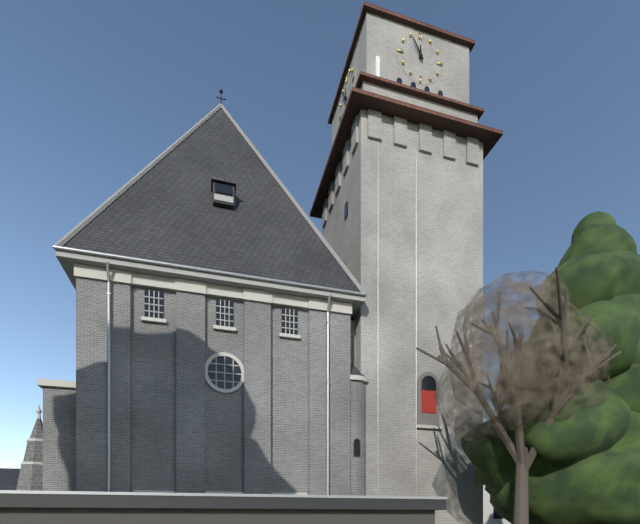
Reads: 11.55
